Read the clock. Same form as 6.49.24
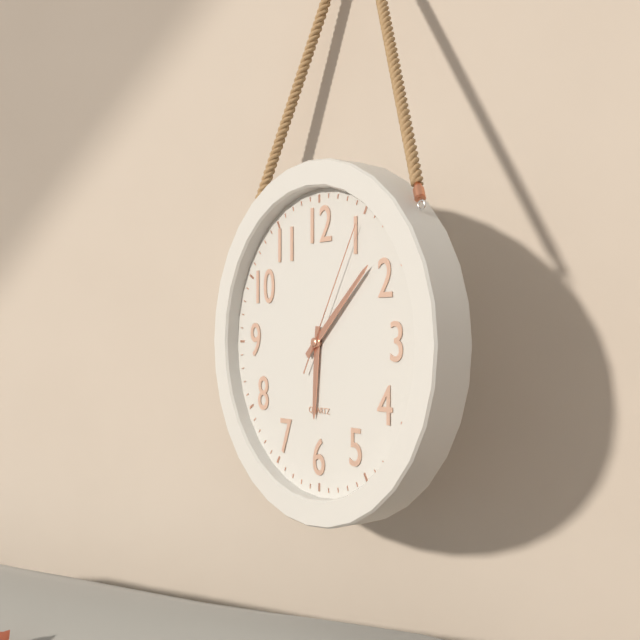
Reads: 6.08.05
